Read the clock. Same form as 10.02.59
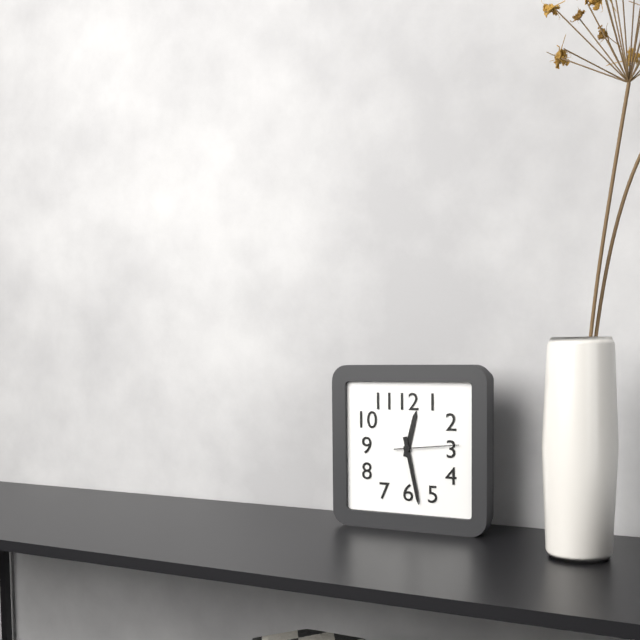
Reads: 12.28.14
